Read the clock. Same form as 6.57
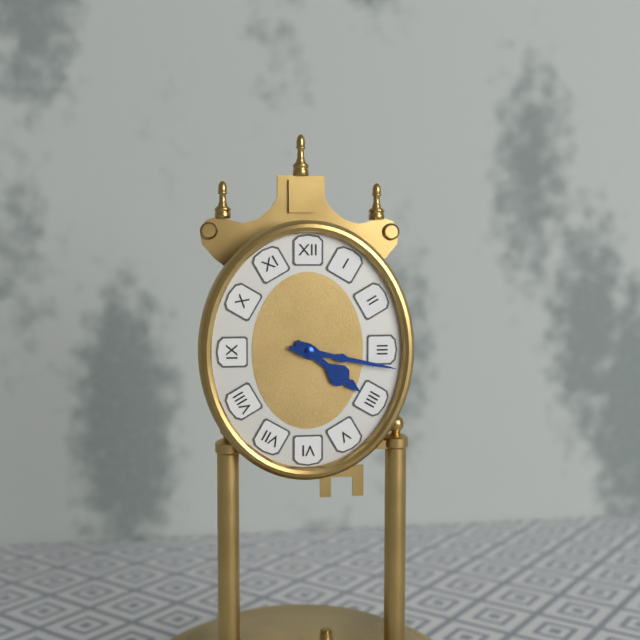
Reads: 4.17
